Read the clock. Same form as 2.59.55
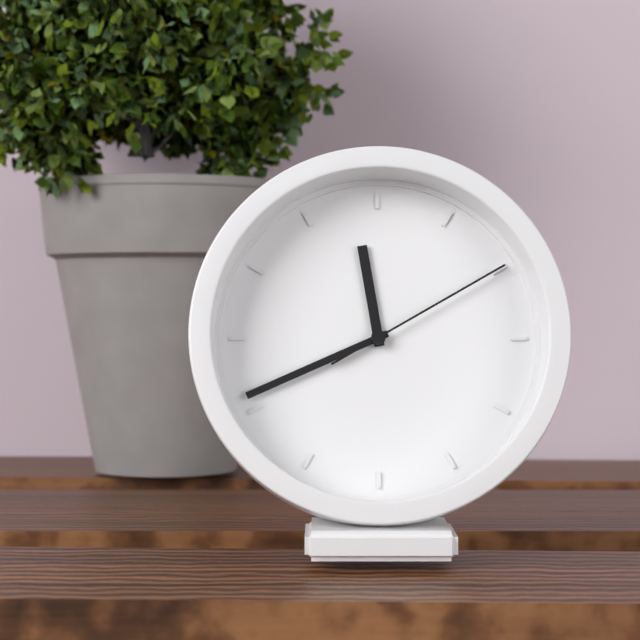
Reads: 11.41.10
